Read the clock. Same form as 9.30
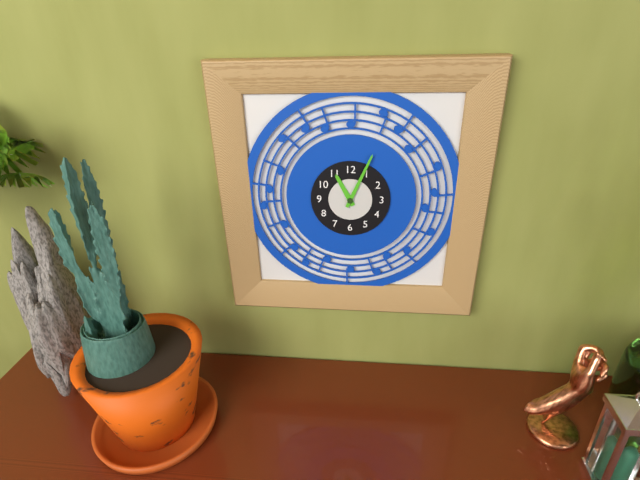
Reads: 11.04
